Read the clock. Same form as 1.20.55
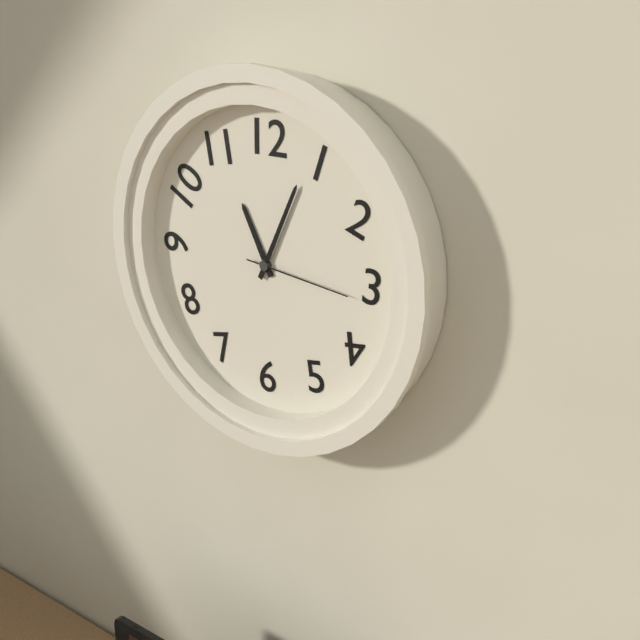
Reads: 11.04.16
